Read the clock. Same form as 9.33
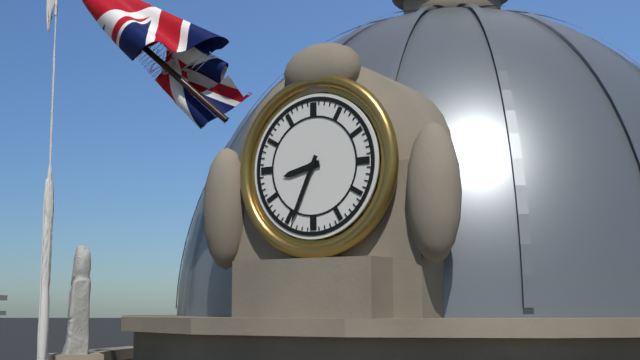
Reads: 8.34
